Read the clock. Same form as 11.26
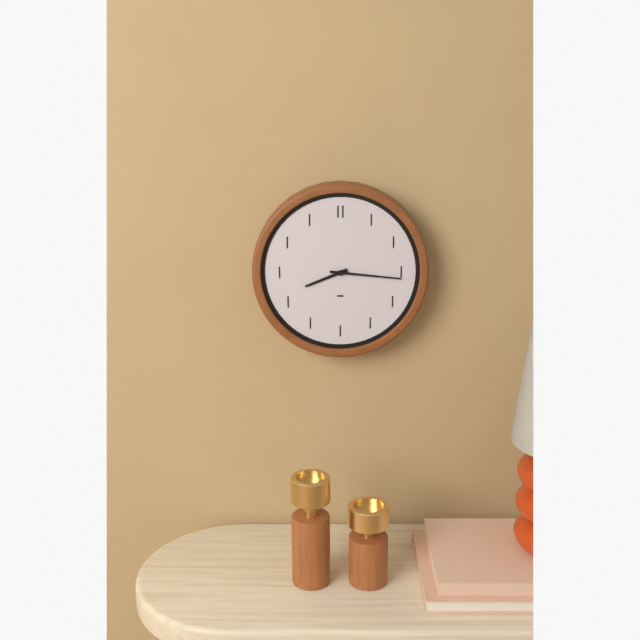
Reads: 8.16
